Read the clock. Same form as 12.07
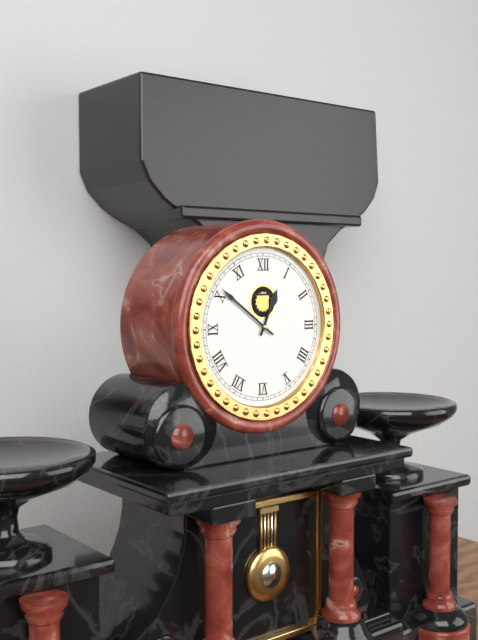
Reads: 12.51
